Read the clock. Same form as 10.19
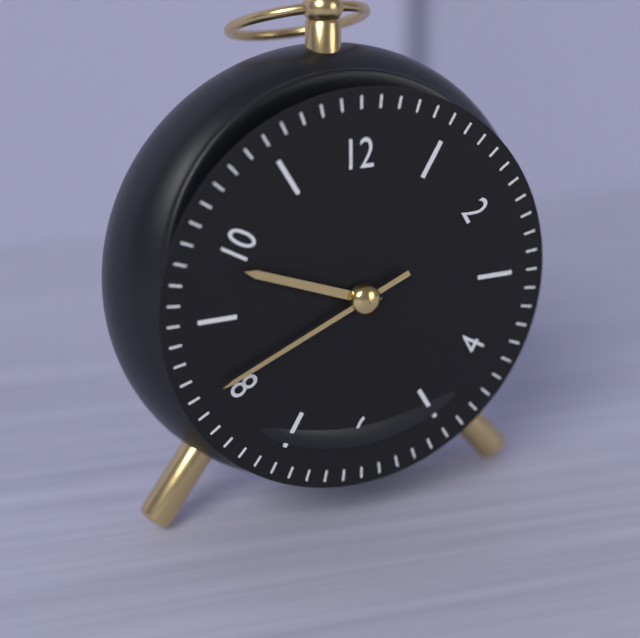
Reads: 9.41
